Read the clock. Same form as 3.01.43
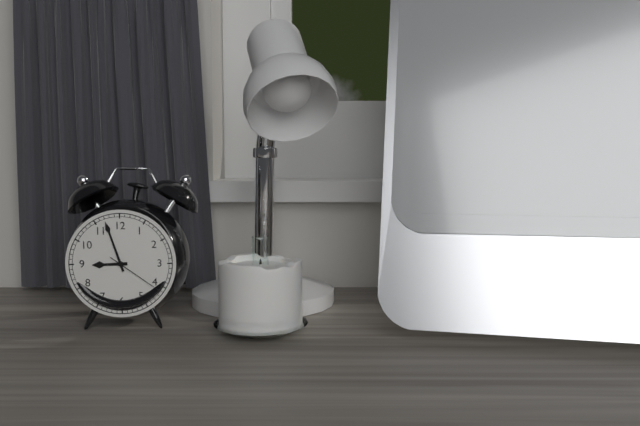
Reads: 8.57.21
